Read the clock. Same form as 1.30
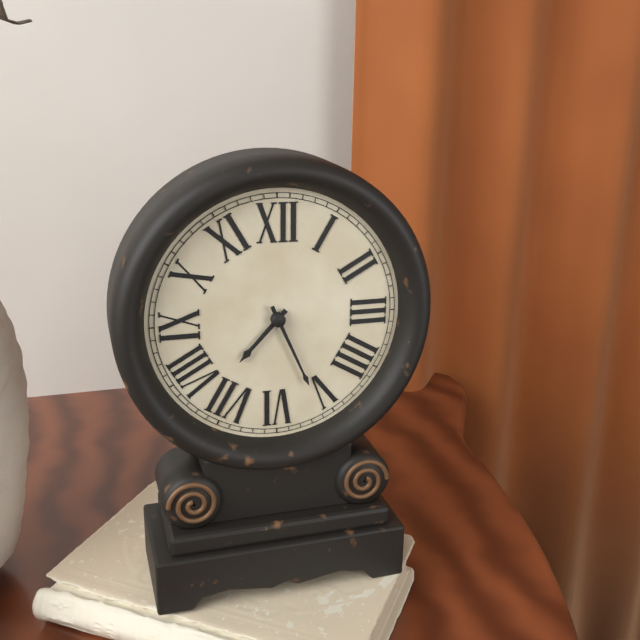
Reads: 7.26
